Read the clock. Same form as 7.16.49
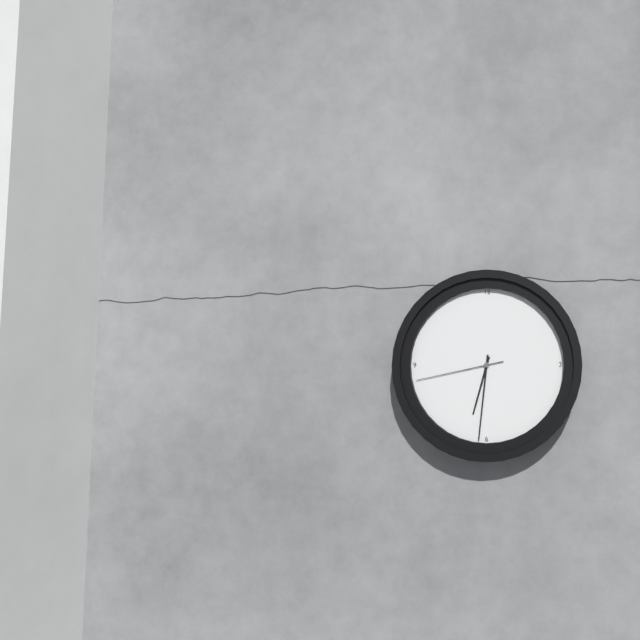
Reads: 6.31.43
